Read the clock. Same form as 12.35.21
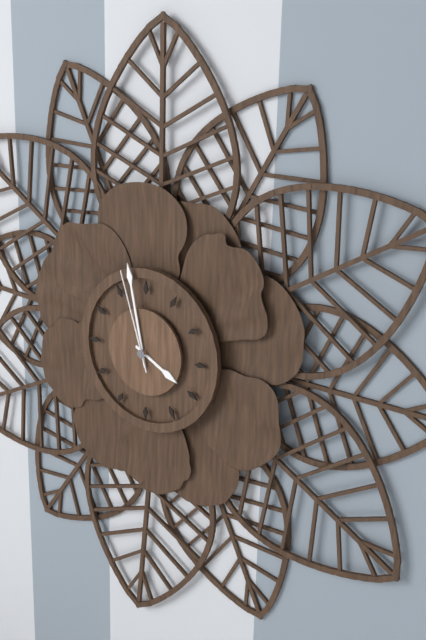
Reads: 3.58.57
